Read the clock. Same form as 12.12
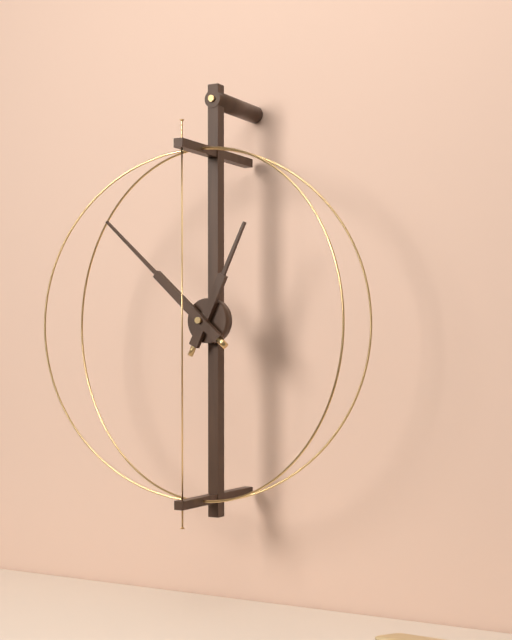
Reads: 12.52
